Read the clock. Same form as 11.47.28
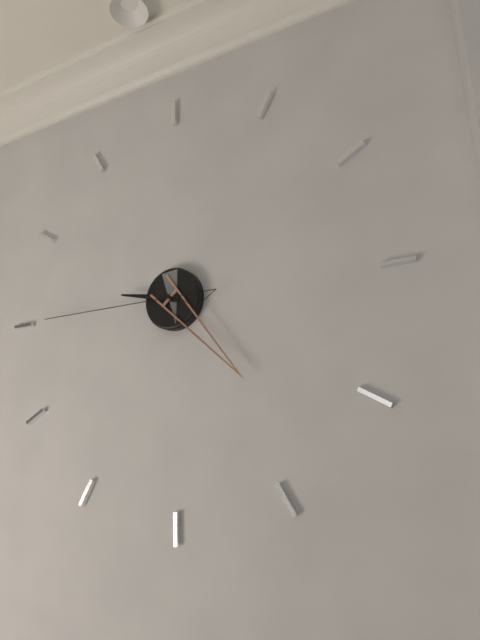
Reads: 9.23.45
